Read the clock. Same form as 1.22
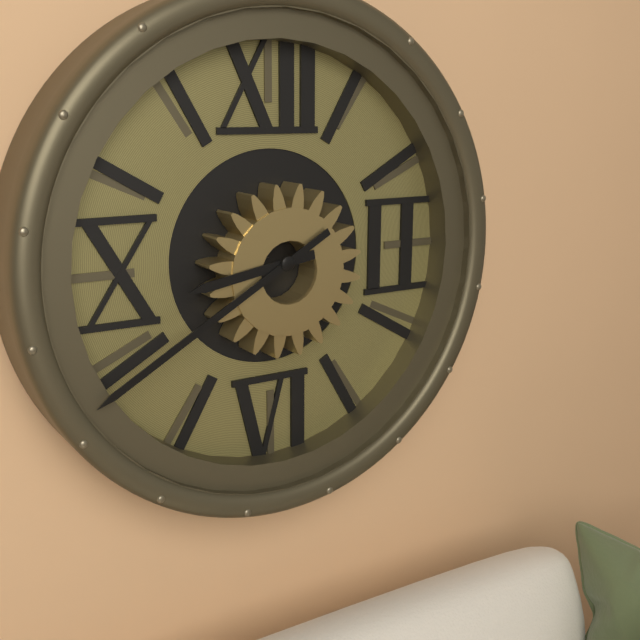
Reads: 8.40
